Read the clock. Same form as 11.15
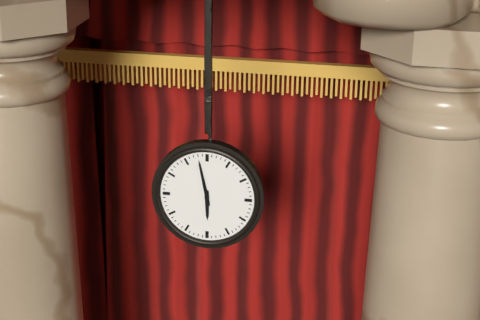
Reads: 5.58
